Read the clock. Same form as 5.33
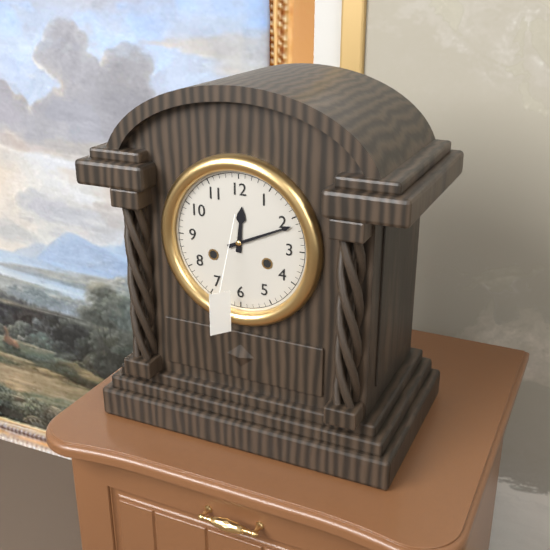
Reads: 12.11
